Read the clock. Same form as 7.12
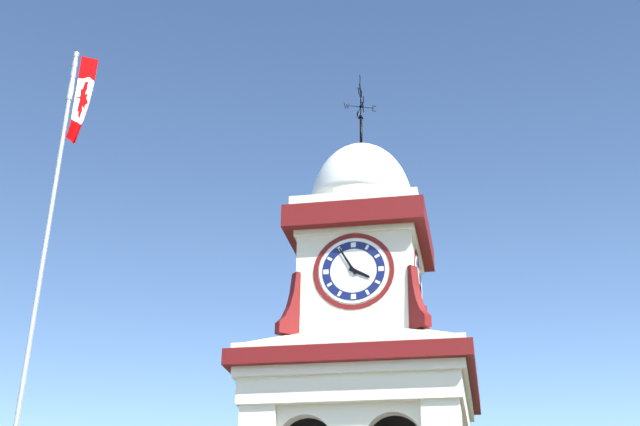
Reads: 3.55
